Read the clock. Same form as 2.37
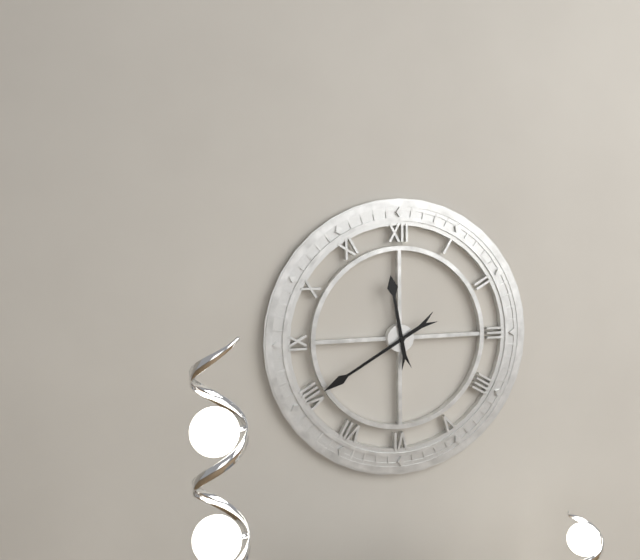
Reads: 11.40
